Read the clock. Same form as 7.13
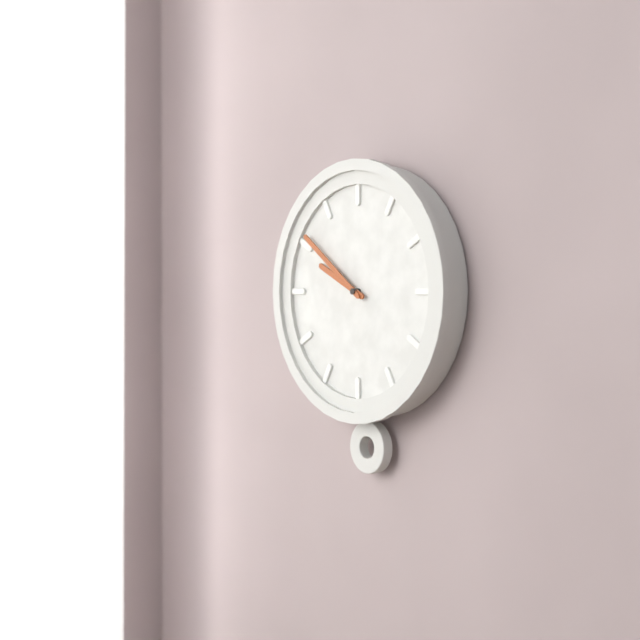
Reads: 9.51
